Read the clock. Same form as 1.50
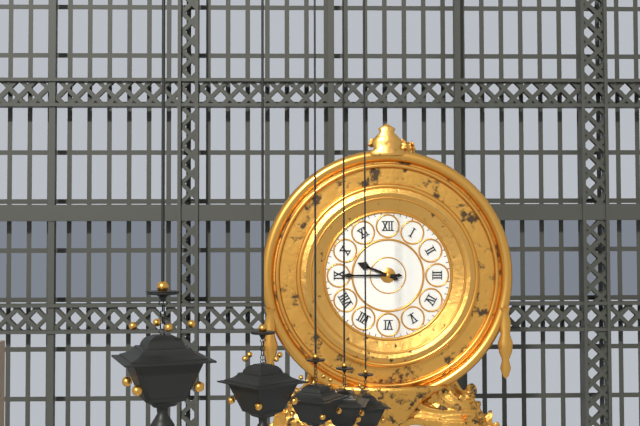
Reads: 9.45
